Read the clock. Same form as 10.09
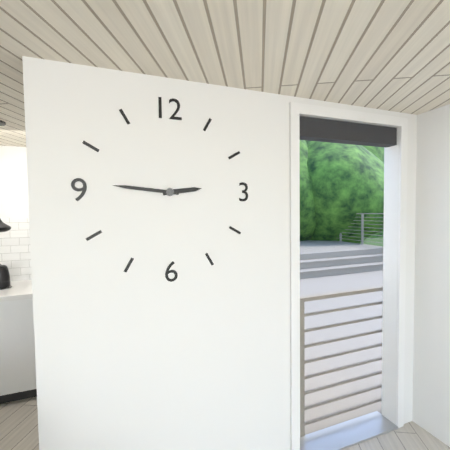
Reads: 2.46
